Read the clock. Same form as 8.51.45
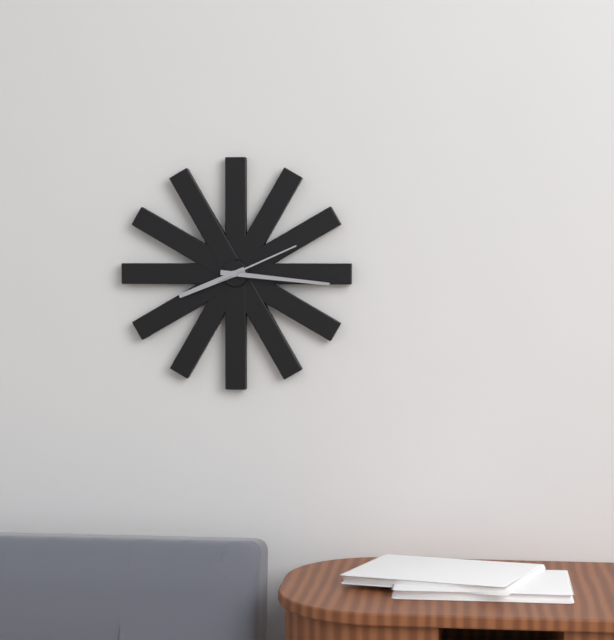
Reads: 8.16.11
